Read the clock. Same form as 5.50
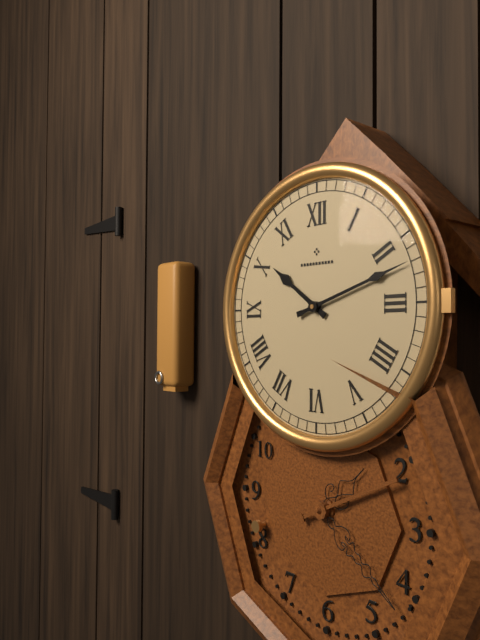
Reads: 10.12
